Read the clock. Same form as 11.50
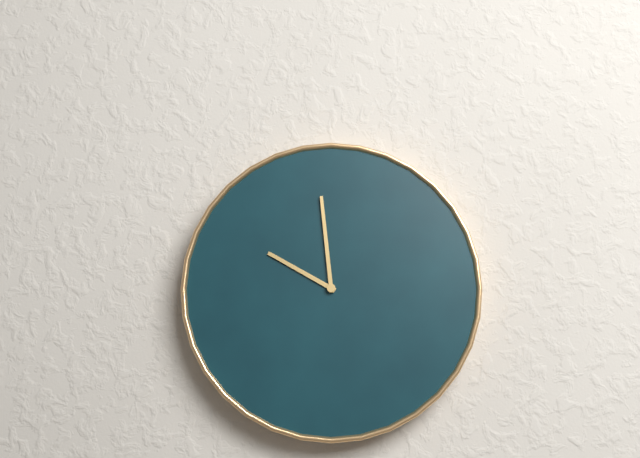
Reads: 9.59
